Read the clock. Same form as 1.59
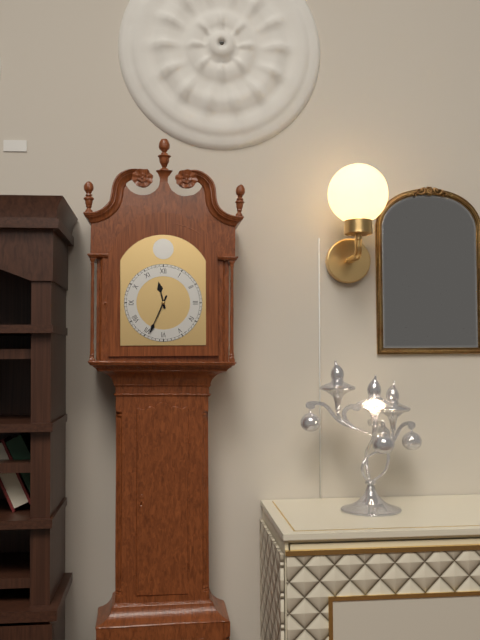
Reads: 11.34
